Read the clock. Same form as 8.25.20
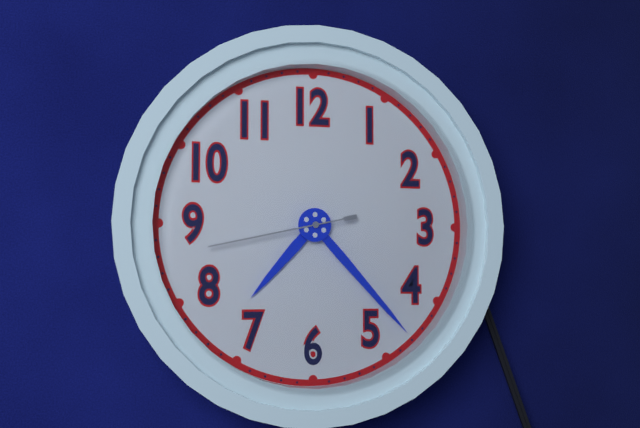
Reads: 7.23.43
